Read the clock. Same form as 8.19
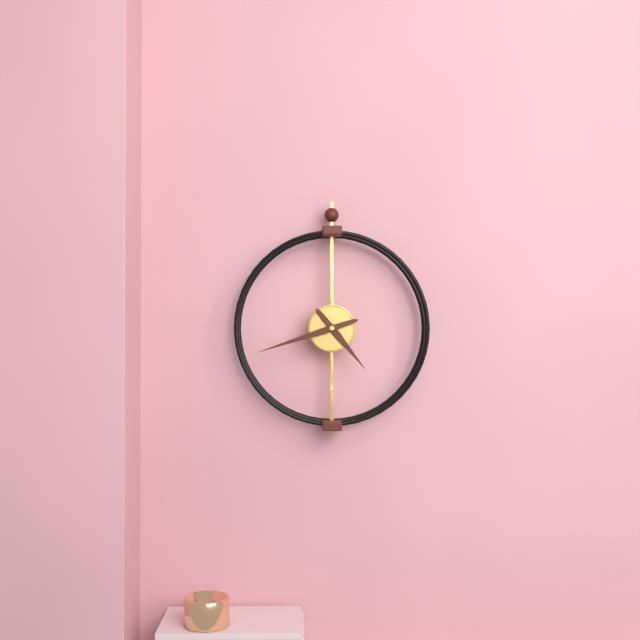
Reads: 4.42
